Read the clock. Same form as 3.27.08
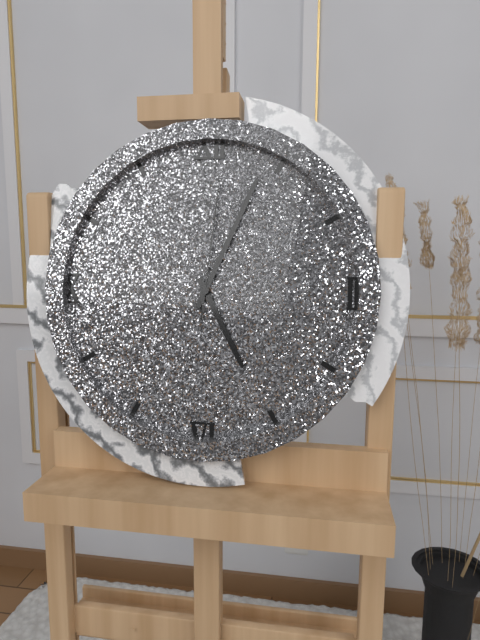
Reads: 5.04.01
